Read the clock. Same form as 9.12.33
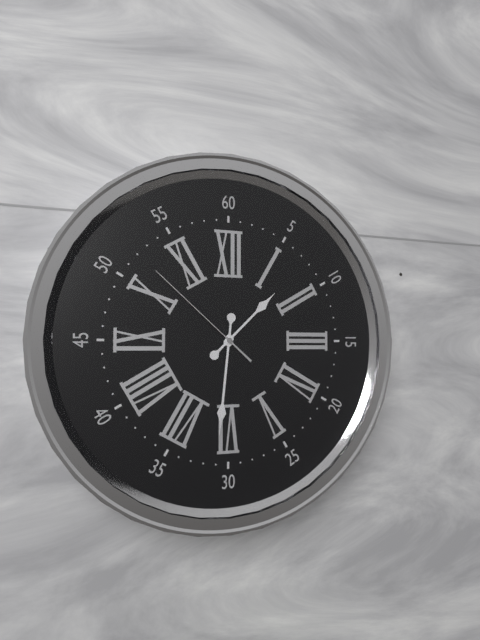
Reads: 1.31.52
